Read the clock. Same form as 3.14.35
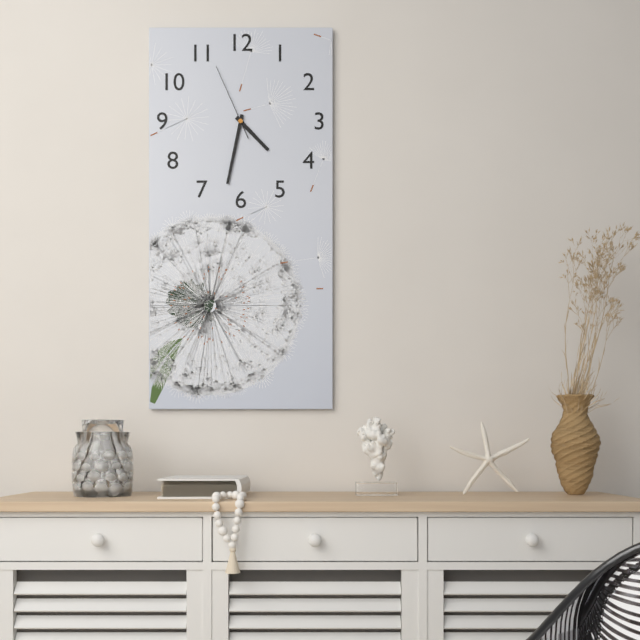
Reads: 4.32.56
